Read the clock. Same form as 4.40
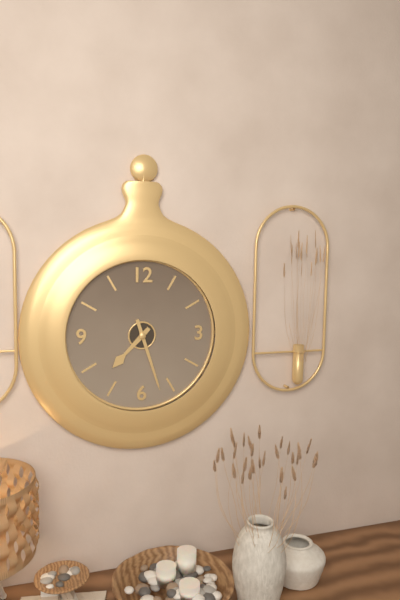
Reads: 7.27
